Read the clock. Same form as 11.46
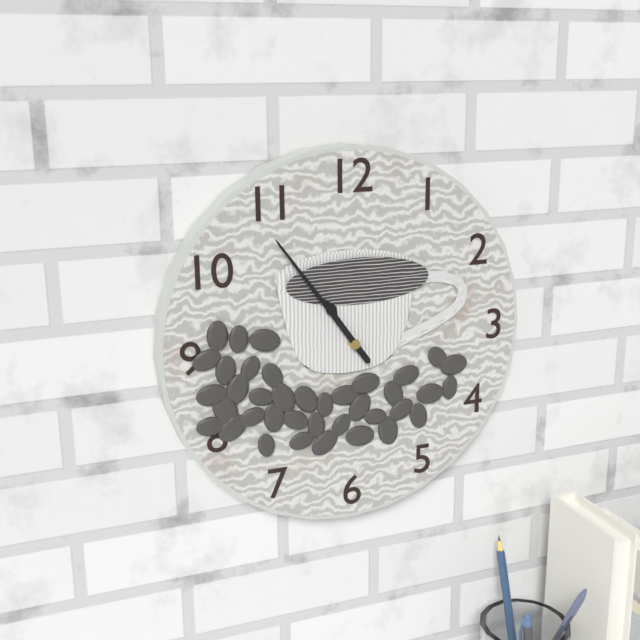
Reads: 10.54
